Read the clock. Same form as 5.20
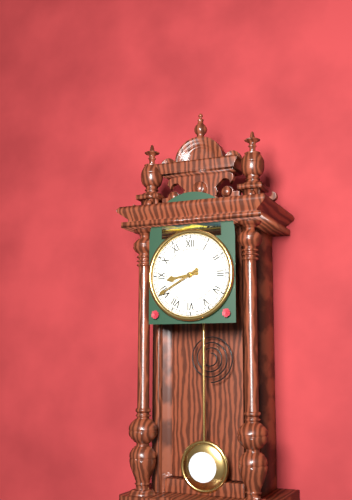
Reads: 8.40
